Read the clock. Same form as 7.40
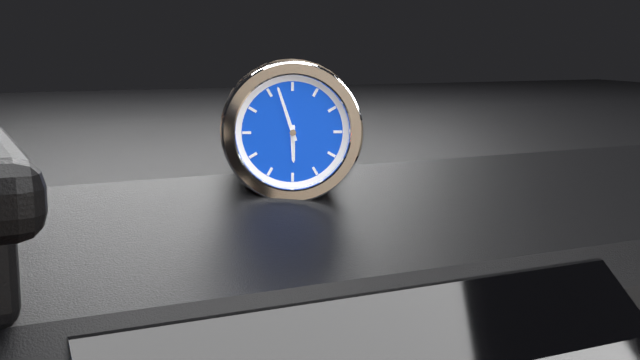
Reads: 5.57
